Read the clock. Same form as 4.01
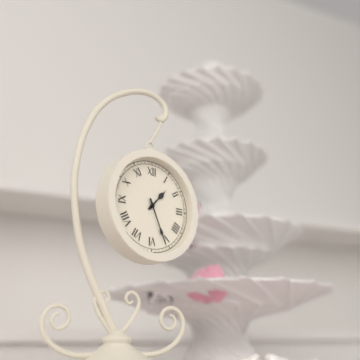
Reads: 1.26
